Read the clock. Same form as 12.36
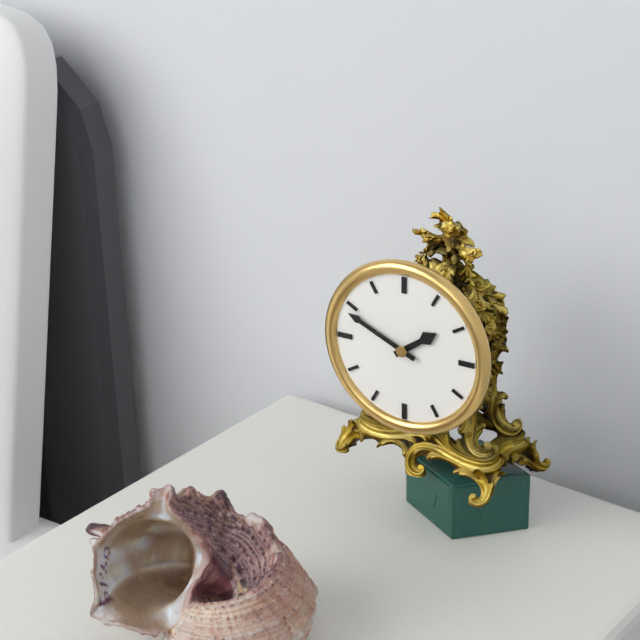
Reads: 1.49
